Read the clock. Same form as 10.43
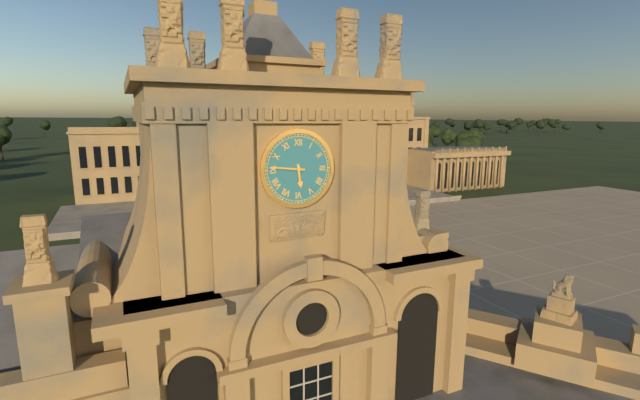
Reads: 5.46
